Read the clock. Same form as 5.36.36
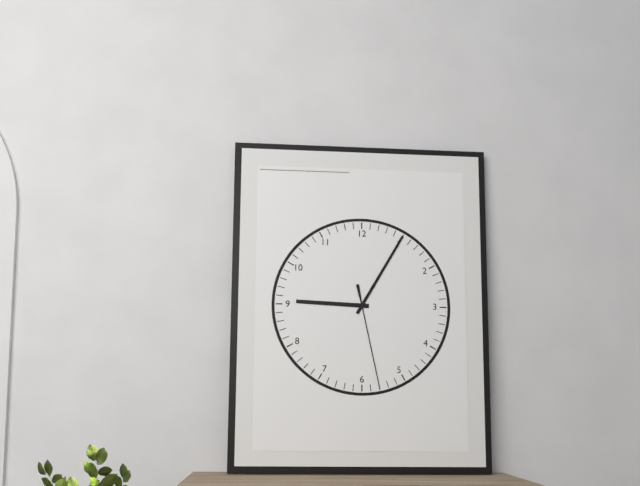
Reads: 9.05.28
